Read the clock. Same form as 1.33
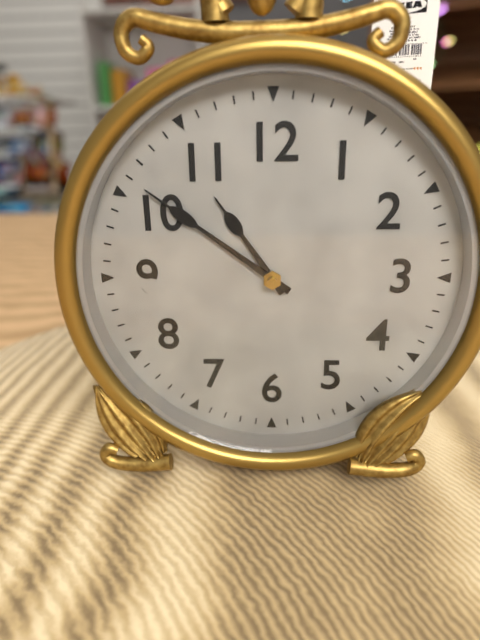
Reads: 10.51
